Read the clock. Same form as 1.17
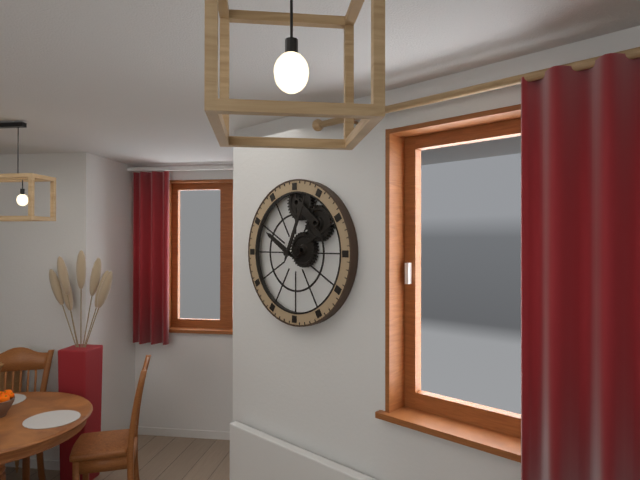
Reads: 10.04
